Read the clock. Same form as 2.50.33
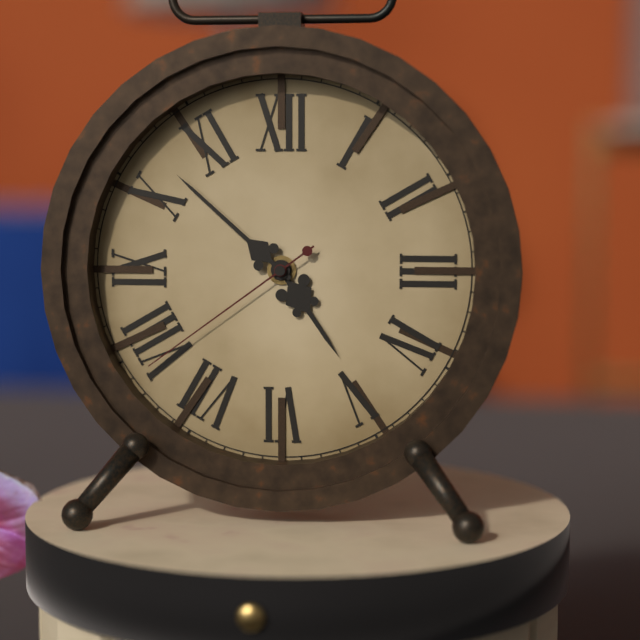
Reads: 4.52.39
